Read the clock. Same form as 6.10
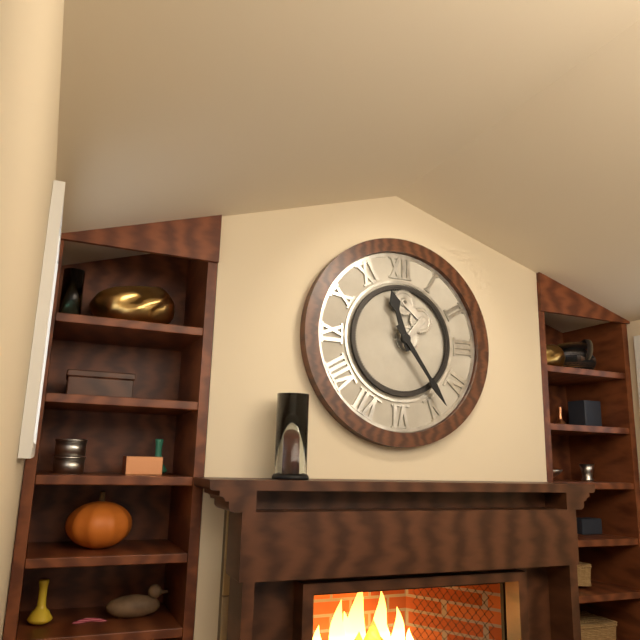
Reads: 11.24
